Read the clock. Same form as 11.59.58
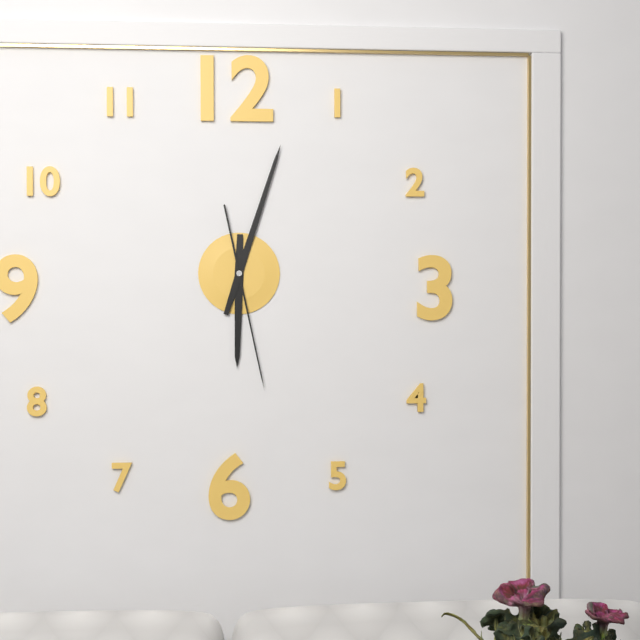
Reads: 6.03.28
